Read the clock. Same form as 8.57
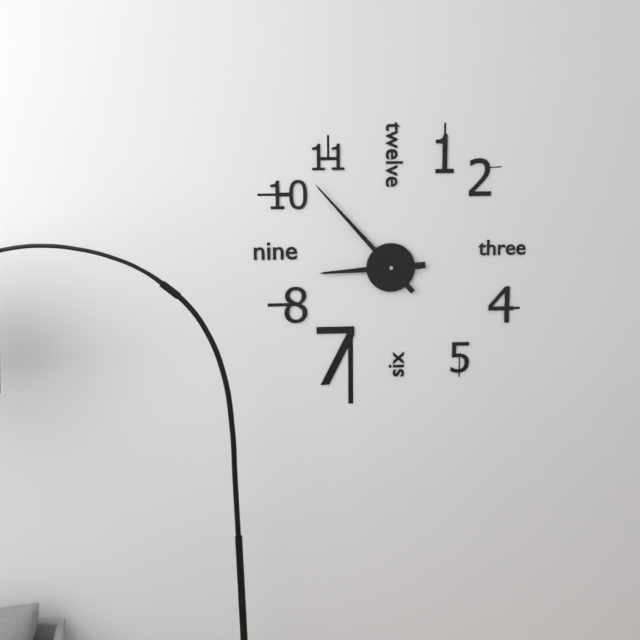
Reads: 8.53
